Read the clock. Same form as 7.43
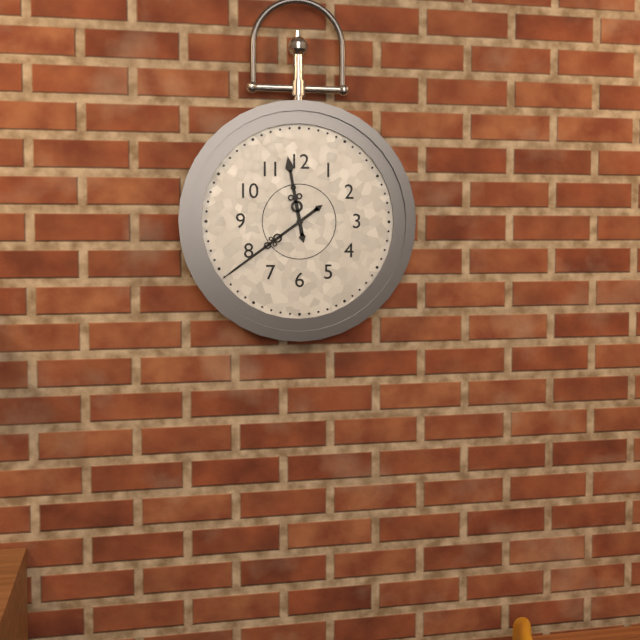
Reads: 11.39
